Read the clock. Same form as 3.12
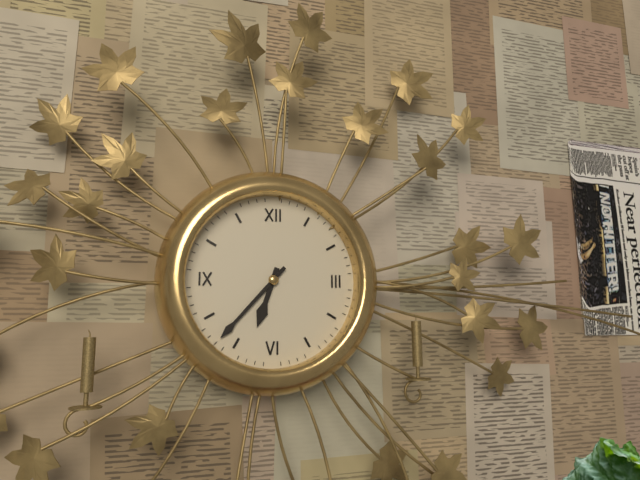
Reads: 6.37
